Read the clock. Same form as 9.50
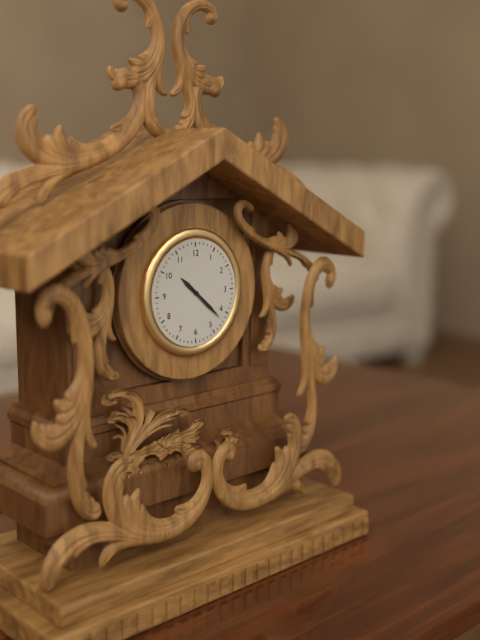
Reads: 10.22
